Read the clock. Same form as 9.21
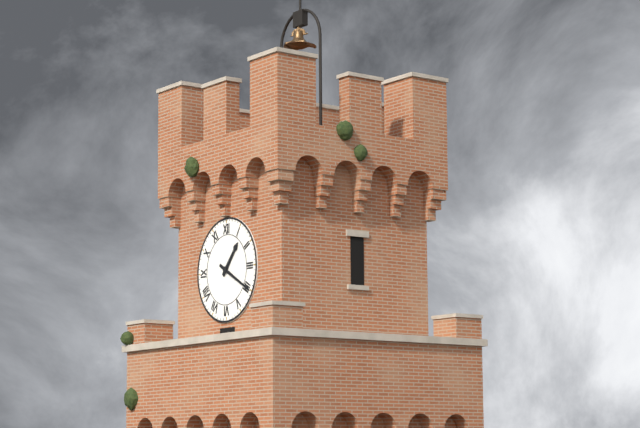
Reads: 1.20
